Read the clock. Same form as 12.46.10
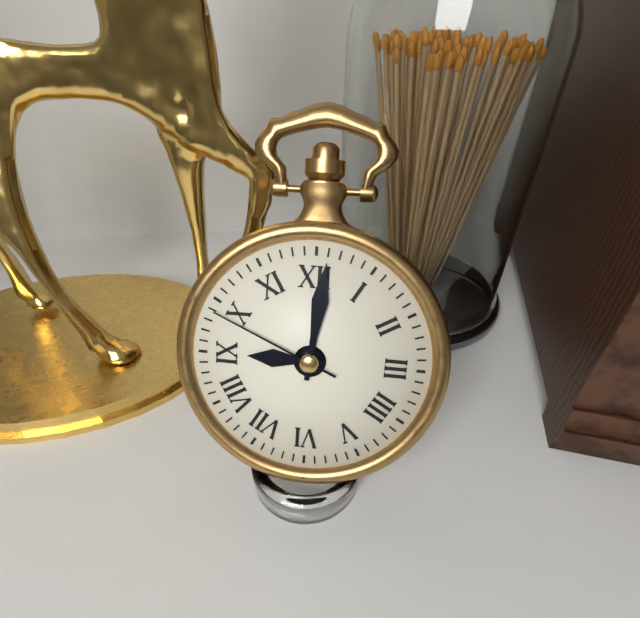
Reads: 9.01.49
